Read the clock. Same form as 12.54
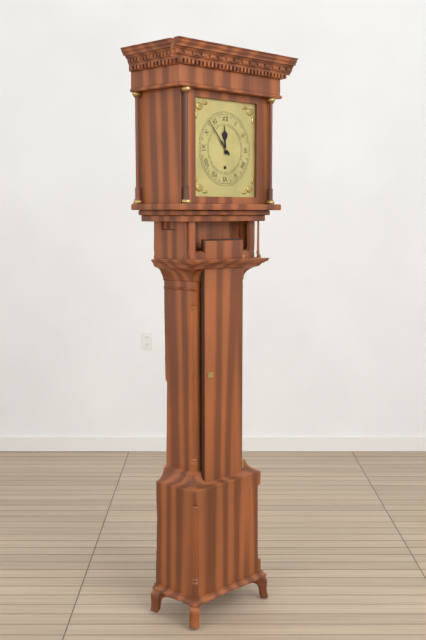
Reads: 11.53
